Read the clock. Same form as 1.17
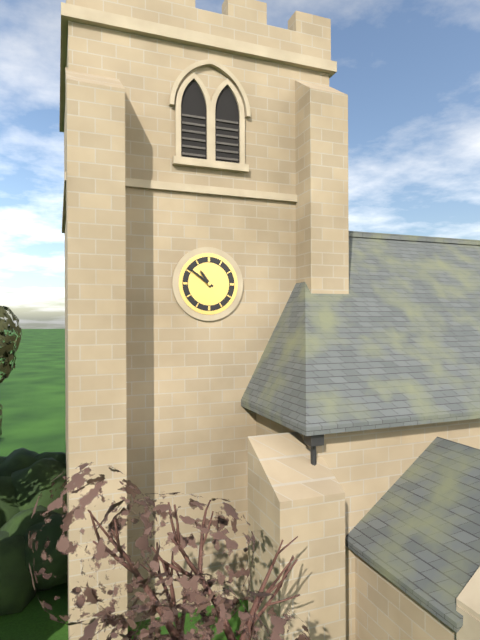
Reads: 10.51
